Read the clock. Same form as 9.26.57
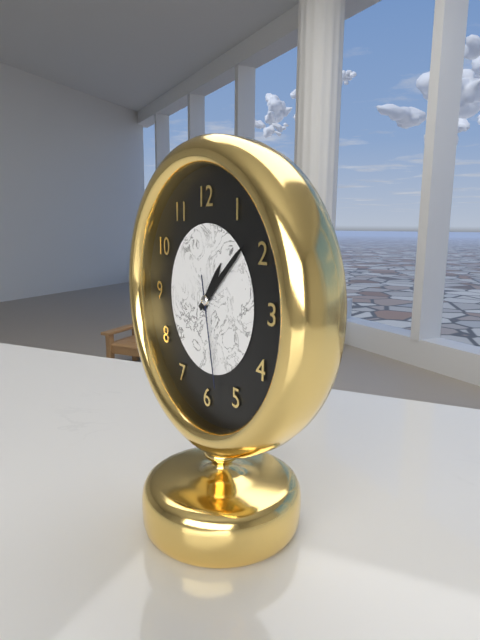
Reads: 1.08.28
